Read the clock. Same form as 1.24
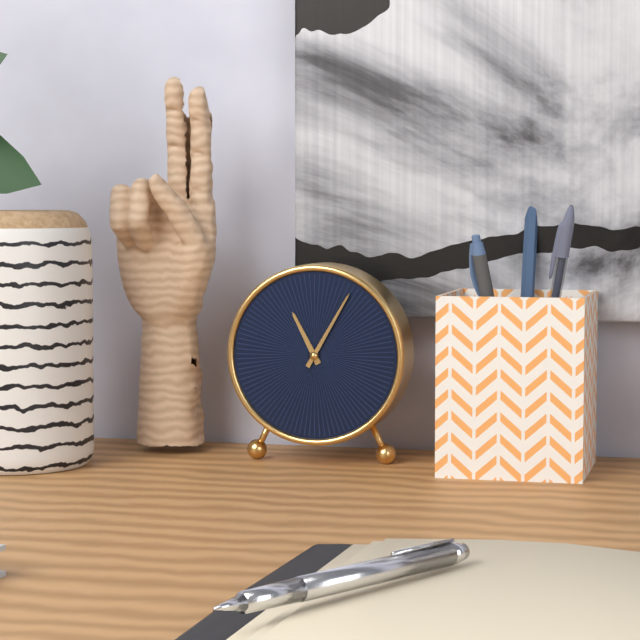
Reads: 11.05
